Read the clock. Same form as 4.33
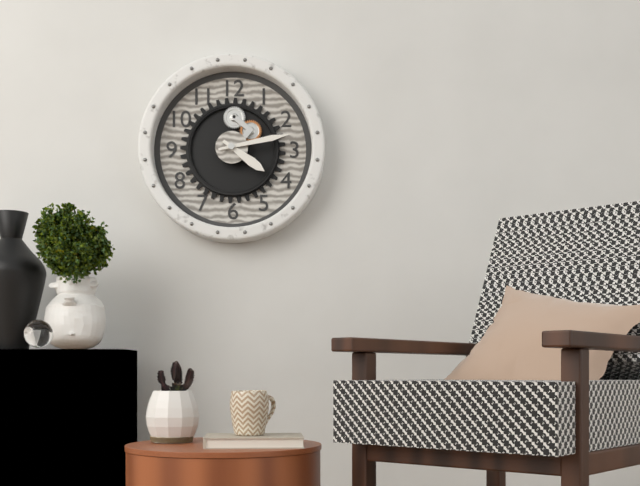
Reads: 4.13
